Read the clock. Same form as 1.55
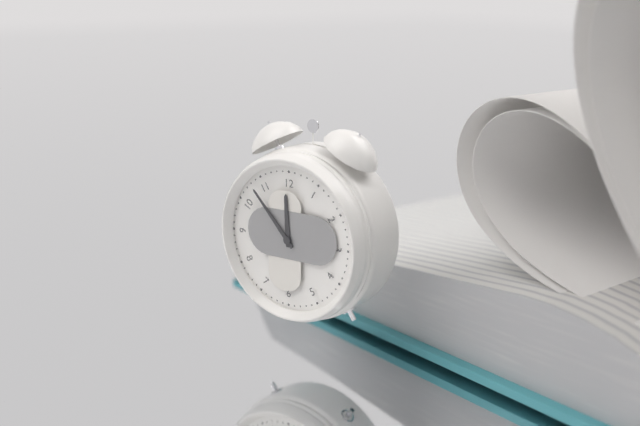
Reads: 11.53
